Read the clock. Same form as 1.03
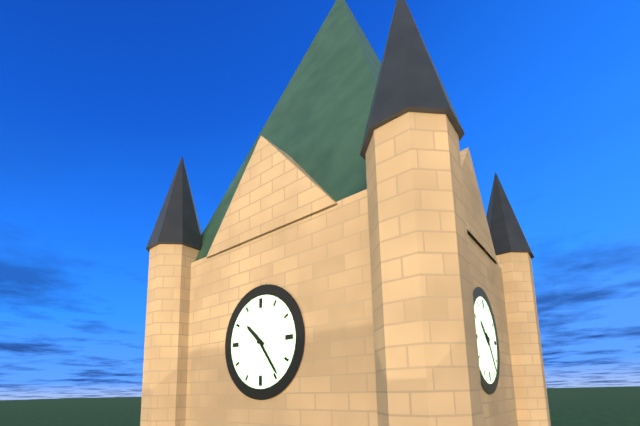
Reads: 10.24
